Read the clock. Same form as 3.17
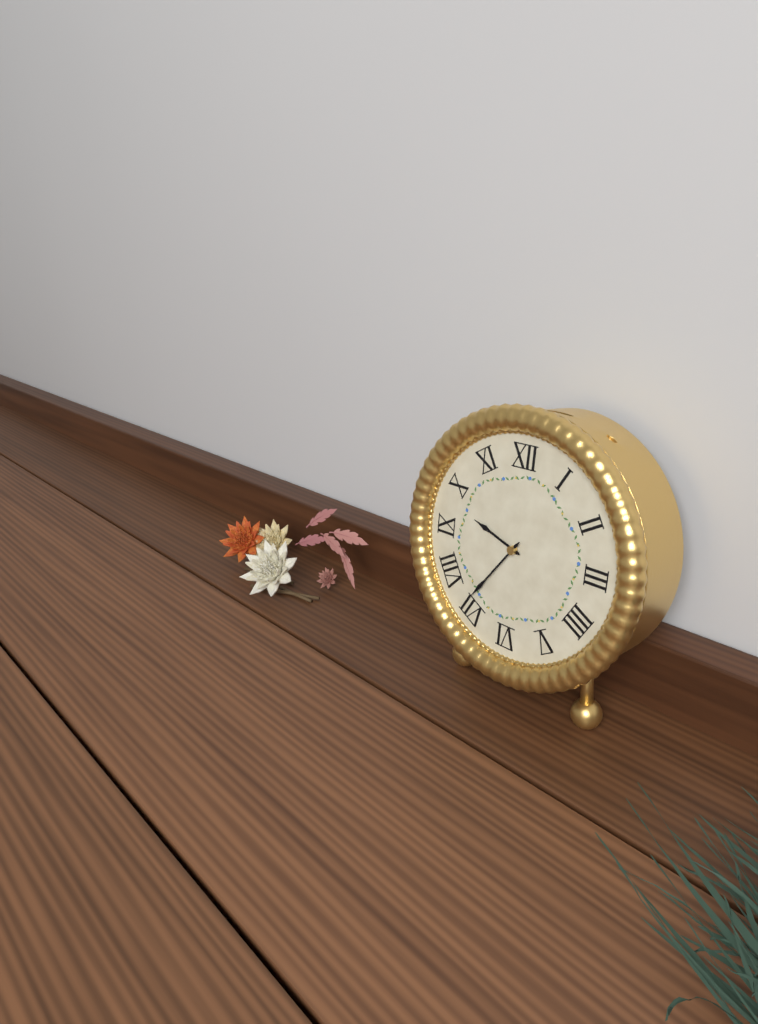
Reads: 9.36
